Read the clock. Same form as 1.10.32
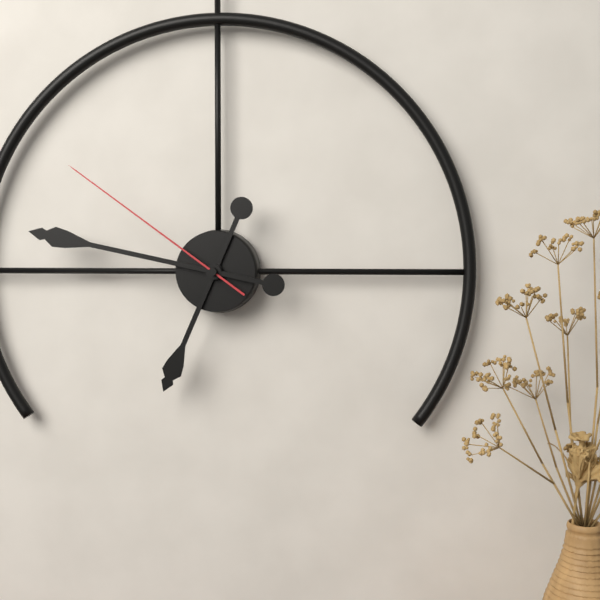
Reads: 6.47.51
